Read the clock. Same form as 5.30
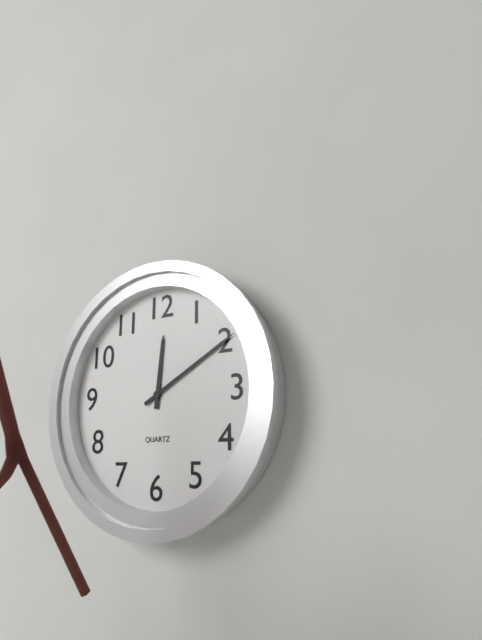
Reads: 12.10
